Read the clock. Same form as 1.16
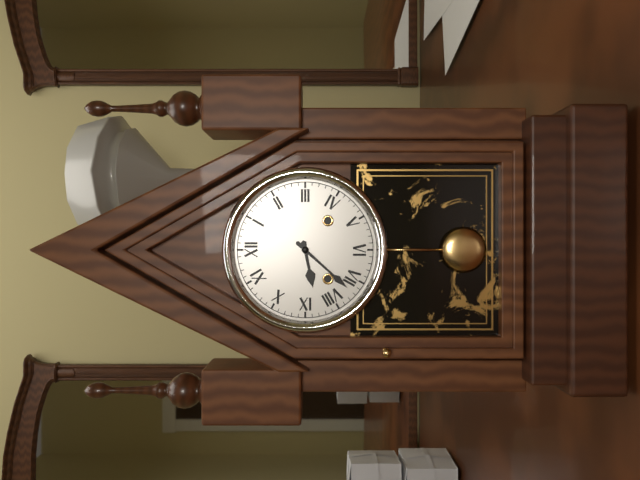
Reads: 8.37
